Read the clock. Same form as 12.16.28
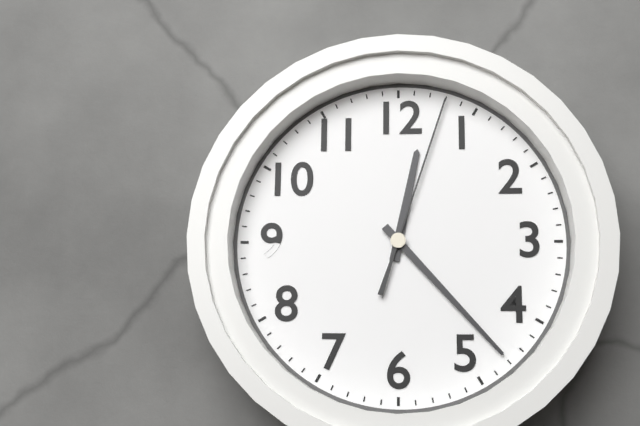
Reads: 12.23.03
